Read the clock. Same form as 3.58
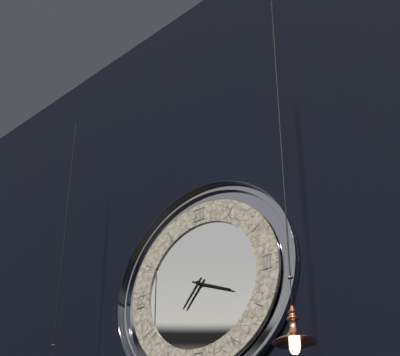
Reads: 7.19
